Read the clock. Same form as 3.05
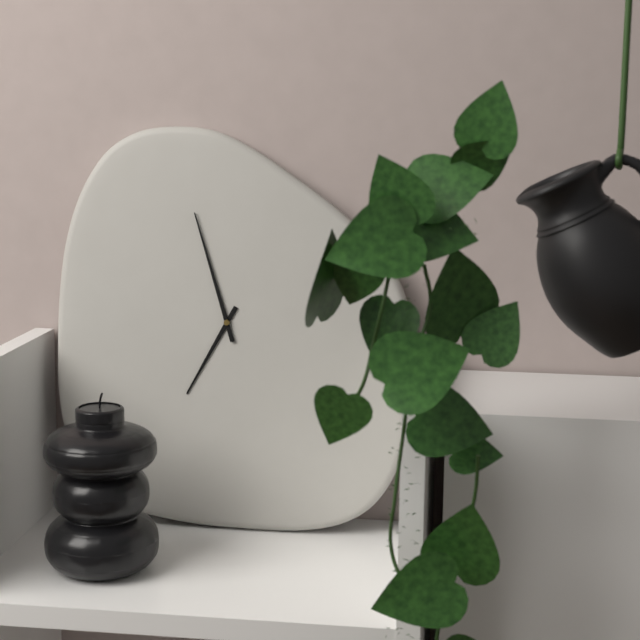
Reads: 6.57
